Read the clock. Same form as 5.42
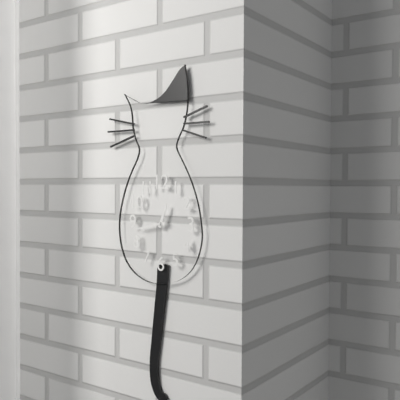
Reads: 12.43
